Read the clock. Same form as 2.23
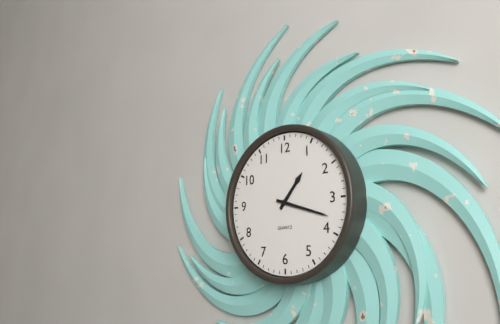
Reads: 1.18
